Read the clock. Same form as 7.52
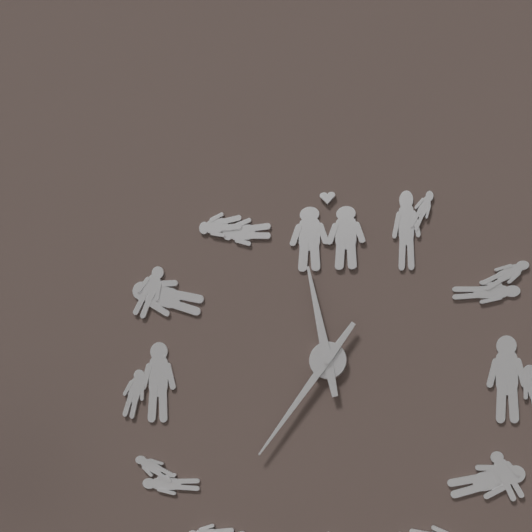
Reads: 11.36
